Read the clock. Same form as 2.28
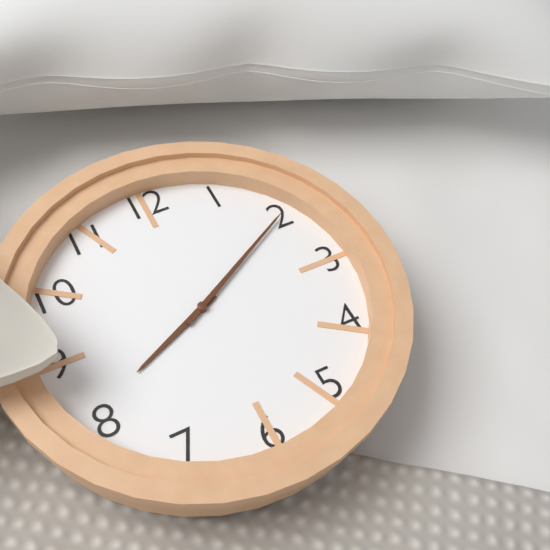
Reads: 8.10
